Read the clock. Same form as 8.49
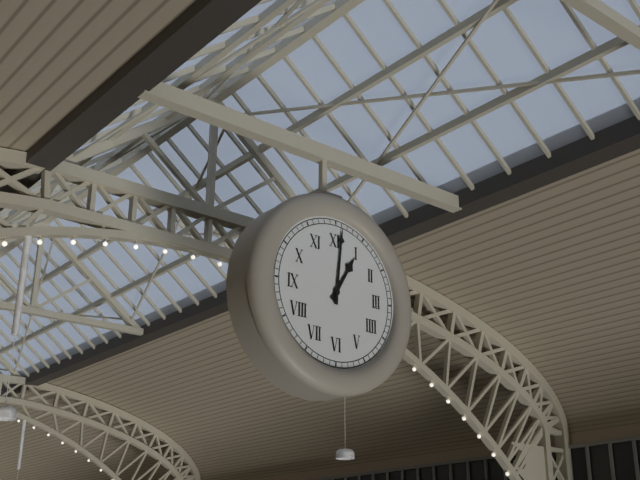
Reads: 1.01
